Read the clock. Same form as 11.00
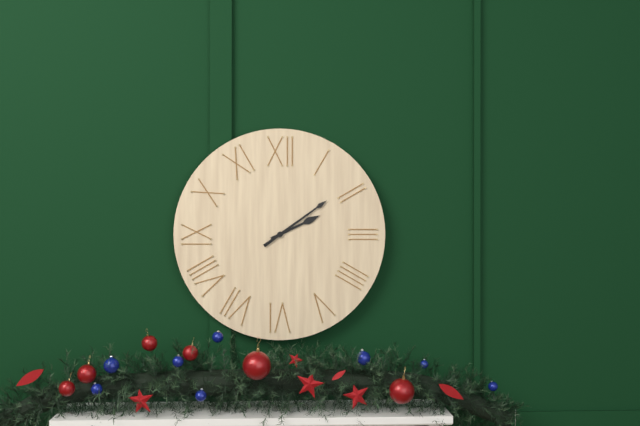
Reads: 2.09
